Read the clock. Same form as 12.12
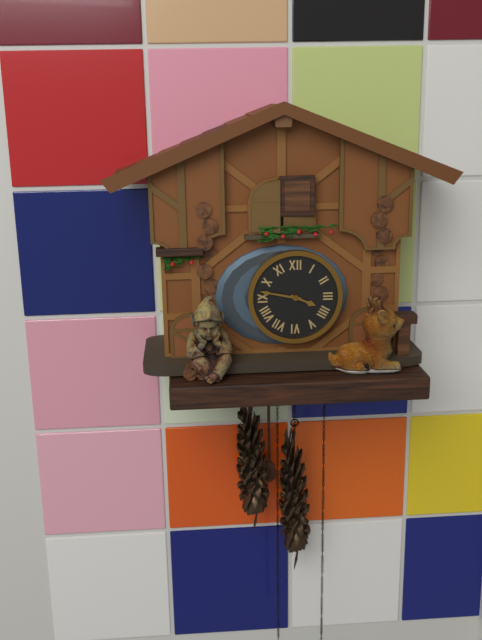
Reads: 3.47
